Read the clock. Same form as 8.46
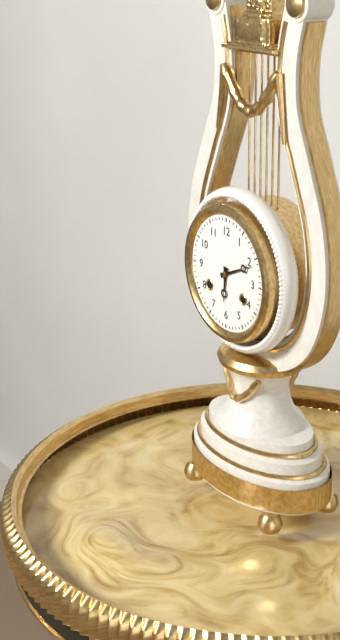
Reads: 6.11
